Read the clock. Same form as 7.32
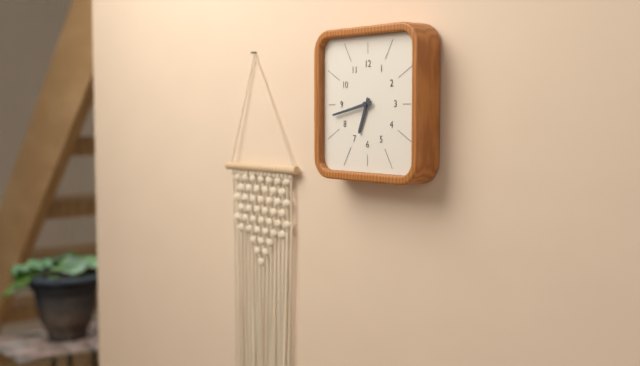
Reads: 6.43
